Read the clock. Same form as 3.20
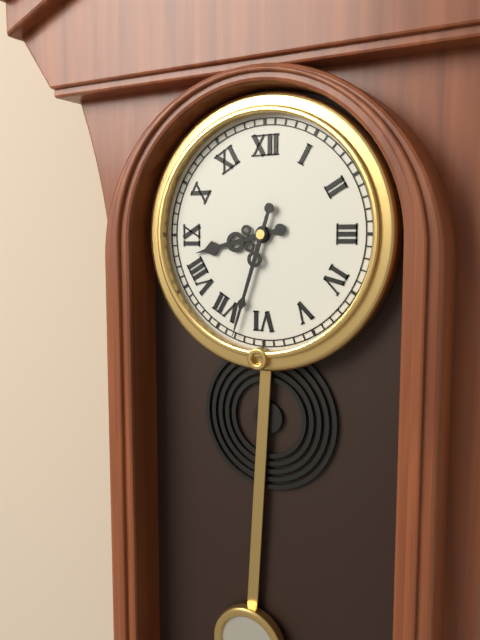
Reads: 8.33
